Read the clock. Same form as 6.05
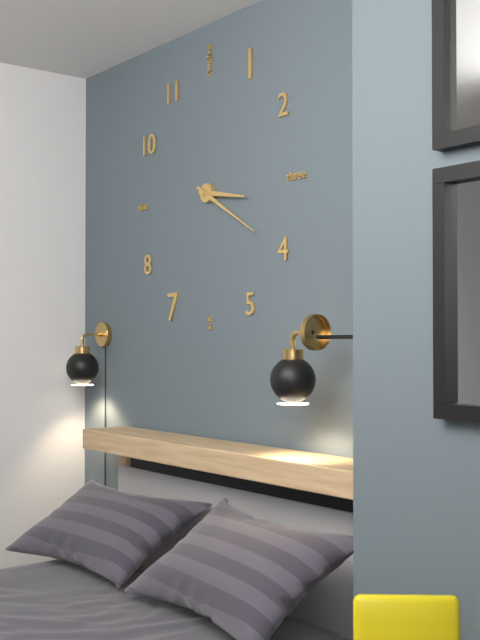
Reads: 3.20
